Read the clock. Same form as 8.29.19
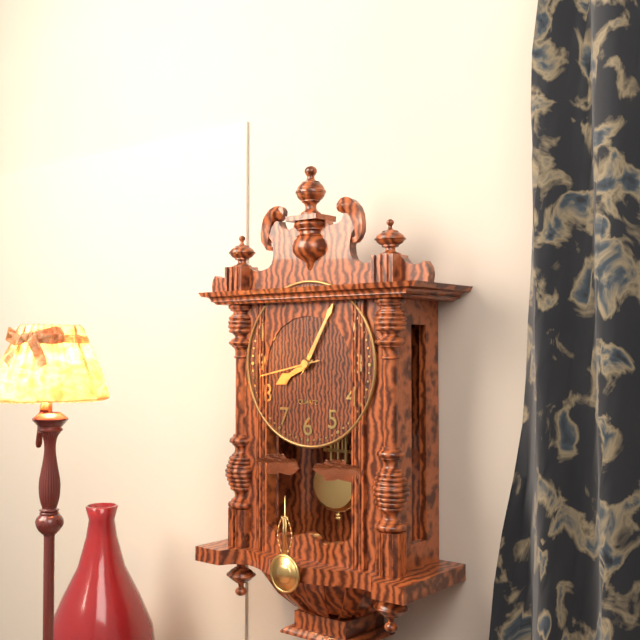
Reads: 8.05.43
